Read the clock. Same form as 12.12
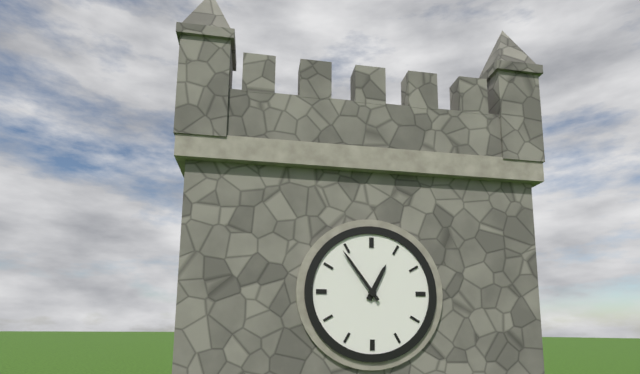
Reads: 12.54
